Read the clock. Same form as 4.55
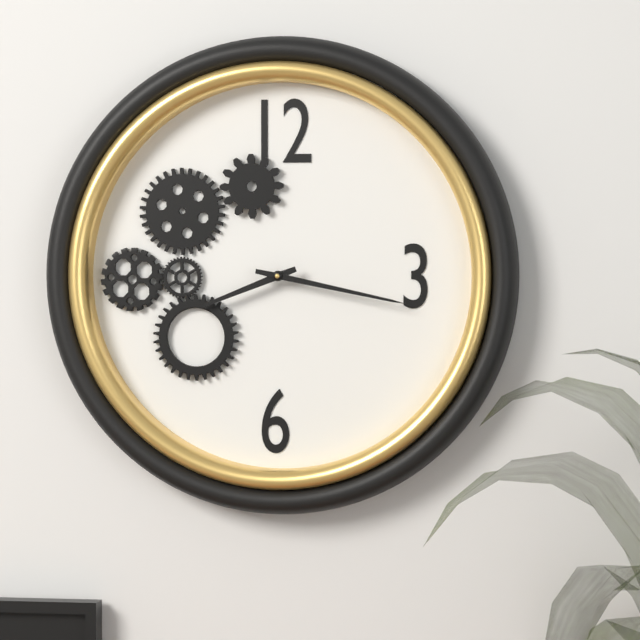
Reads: 8.17
